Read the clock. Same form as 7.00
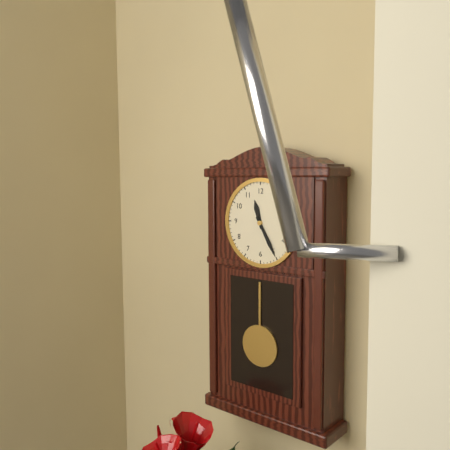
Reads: 11.25
